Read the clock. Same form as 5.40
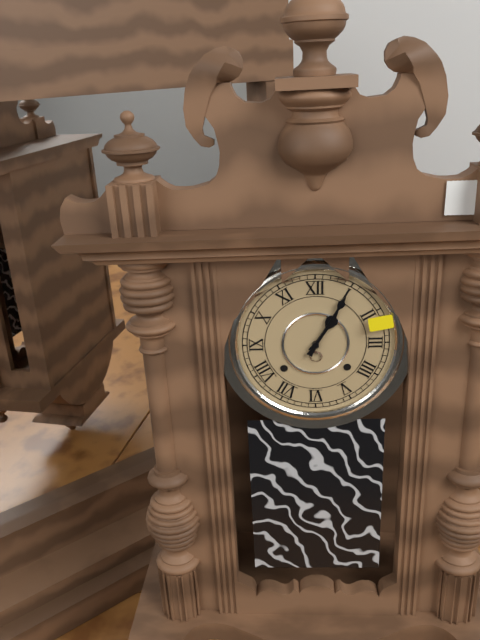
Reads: 1.05
